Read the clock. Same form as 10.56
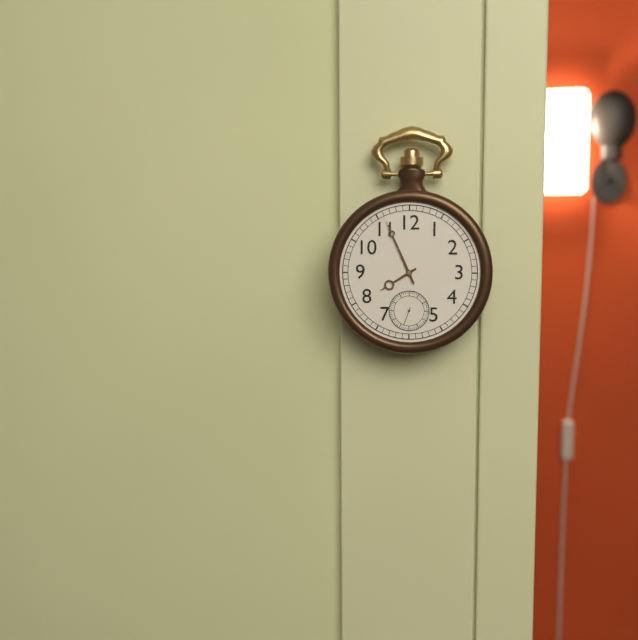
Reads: 7.56
